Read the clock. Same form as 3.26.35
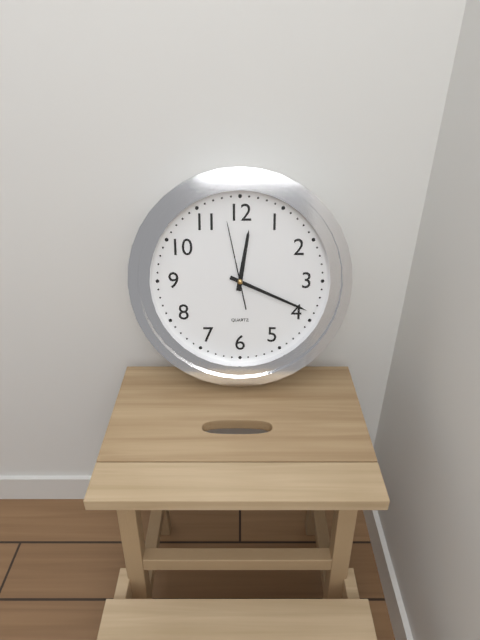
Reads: 12.19.58
